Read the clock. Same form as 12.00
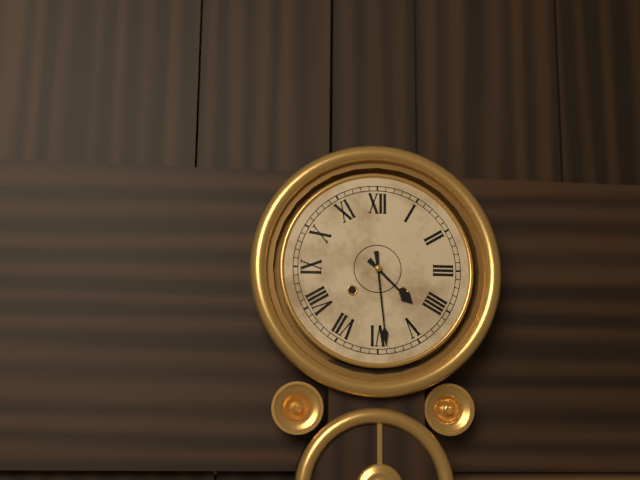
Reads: 4.29
